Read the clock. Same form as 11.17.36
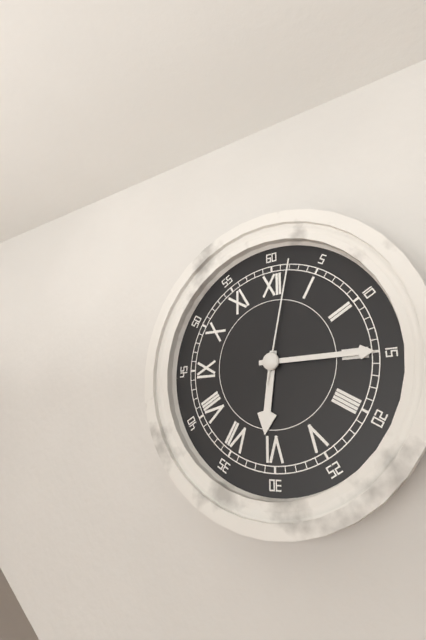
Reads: 6.15.02
